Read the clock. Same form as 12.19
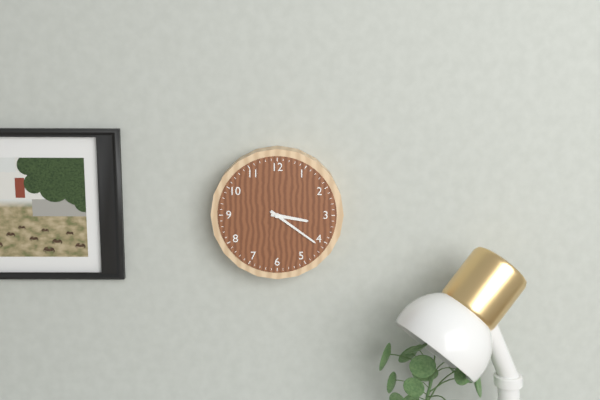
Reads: 3.21
